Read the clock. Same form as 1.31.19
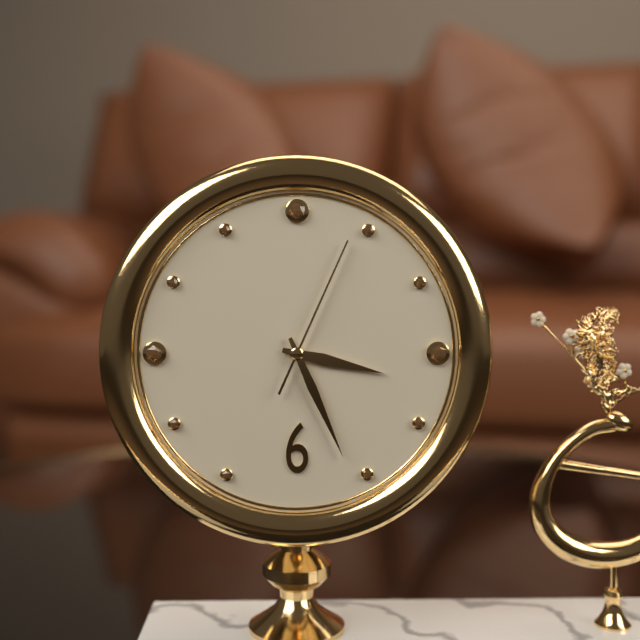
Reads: 3.26.04
